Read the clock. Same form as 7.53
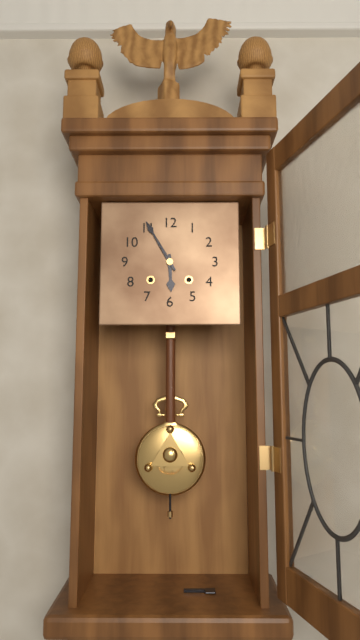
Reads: 5.55
